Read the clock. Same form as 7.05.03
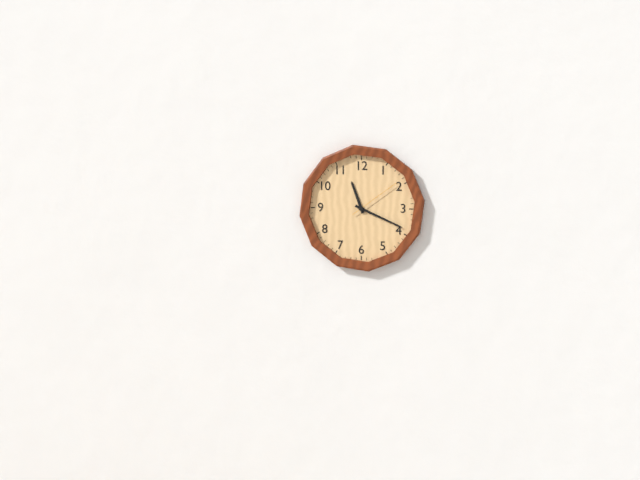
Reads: 11.19.09
